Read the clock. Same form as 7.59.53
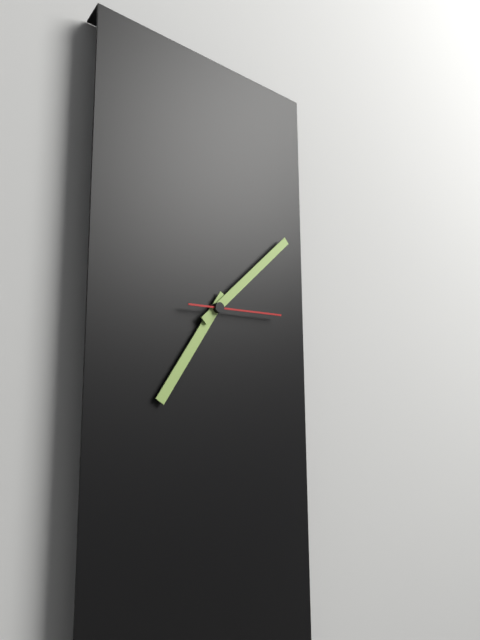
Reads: 7.08.15
